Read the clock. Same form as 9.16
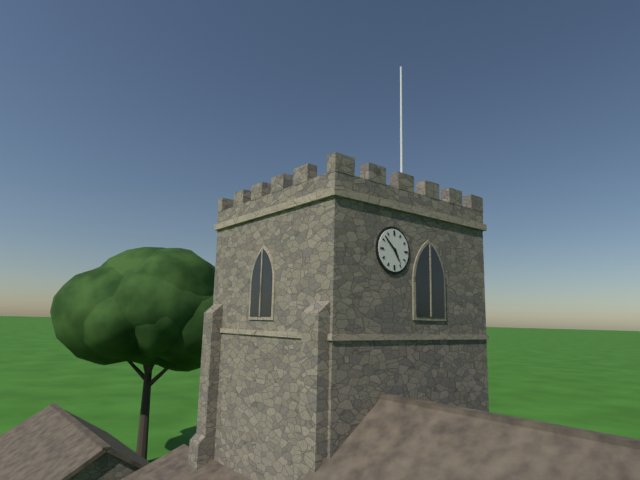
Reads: 4.52
